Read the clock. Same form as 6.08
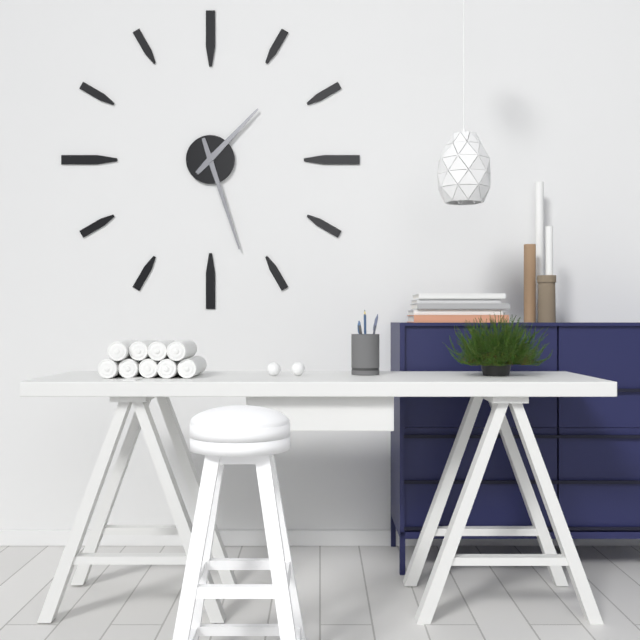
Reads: 1.27
